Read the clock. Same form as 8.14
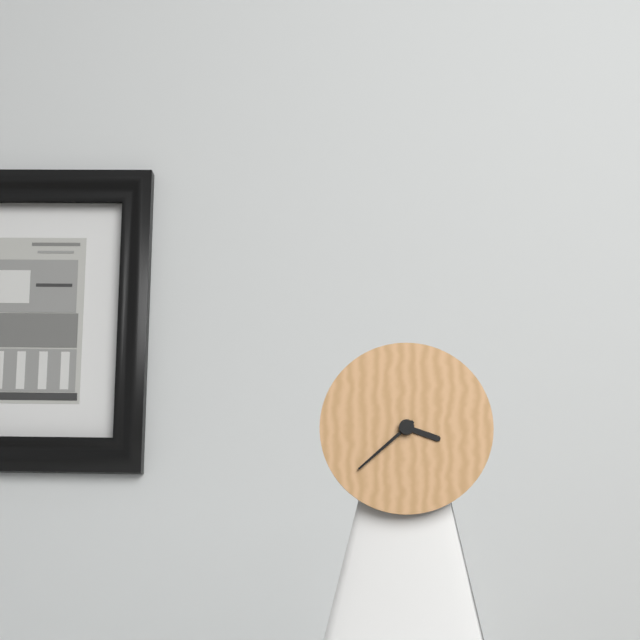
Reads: 3.38
